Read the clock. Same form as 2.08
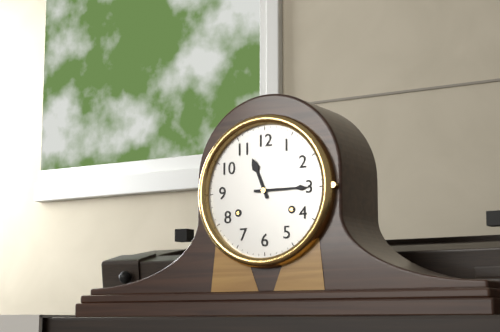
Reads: 11.15
